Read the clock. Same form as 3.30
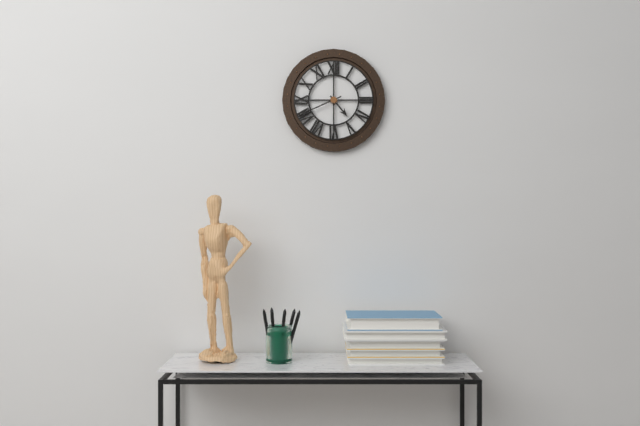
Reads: 4.41
